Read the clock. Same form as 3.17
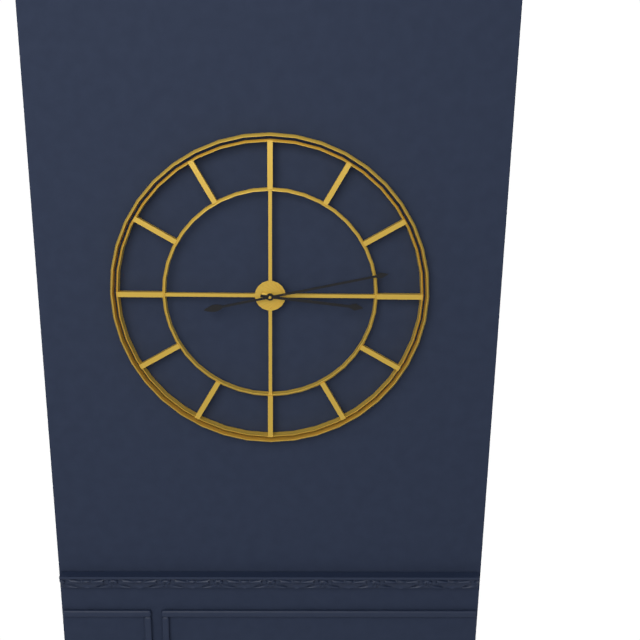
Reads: 3.13
